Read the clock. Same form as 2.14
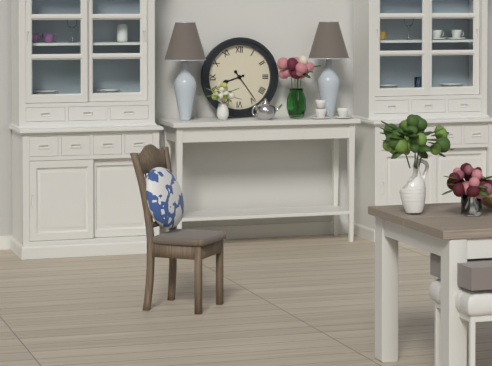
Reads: 8.24
